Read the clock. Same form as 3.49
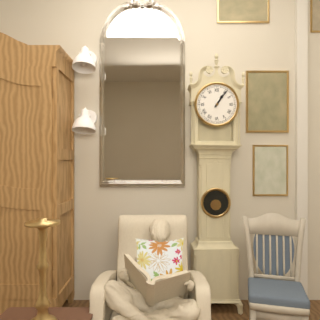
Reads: 1.06
